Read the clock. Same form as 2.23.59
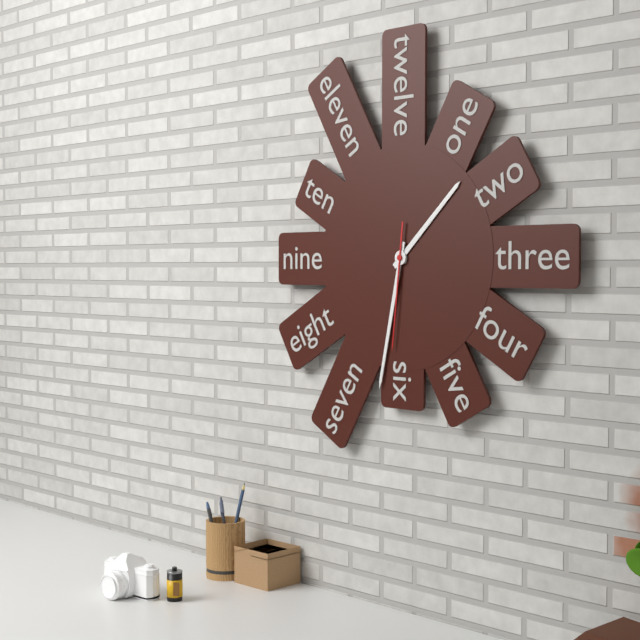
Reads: 1.32.31
